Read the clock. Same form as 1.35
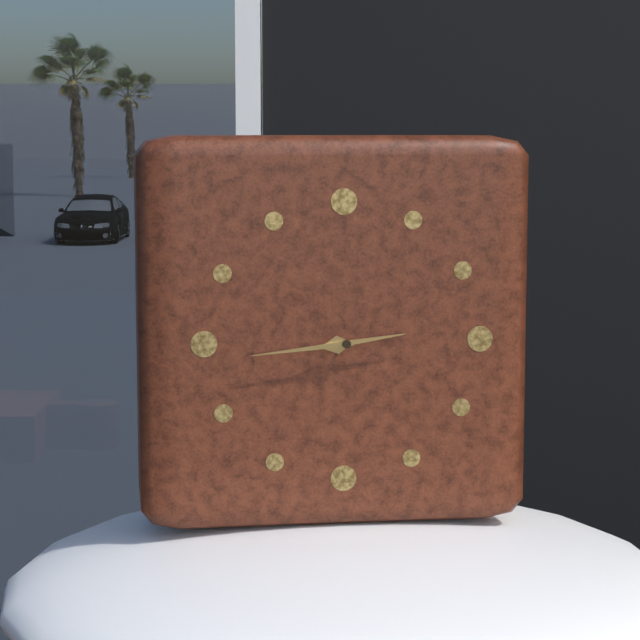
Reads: 2.44
